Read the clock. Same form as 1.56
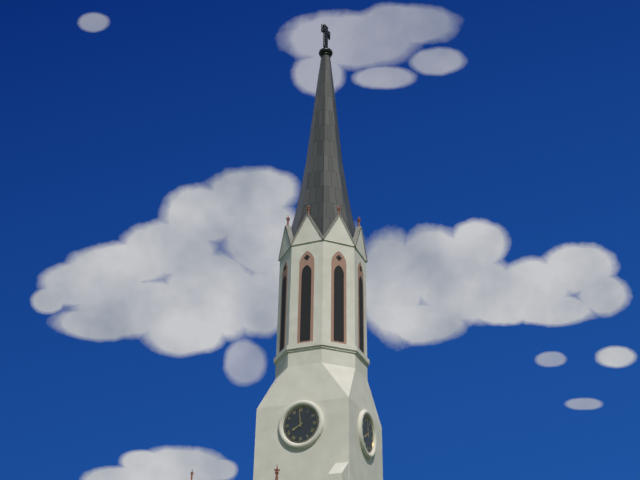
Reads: 7.59
